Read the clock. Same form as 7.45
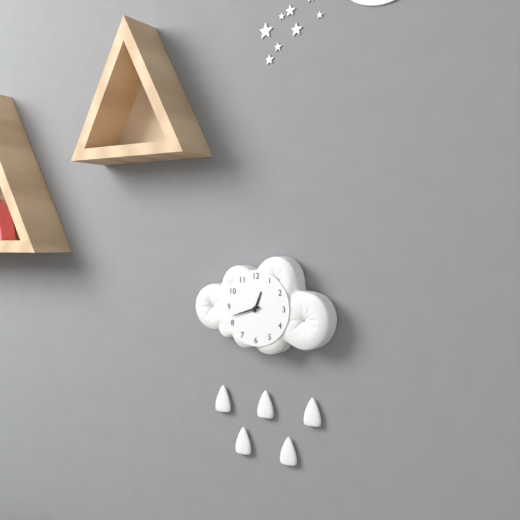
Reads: 12.42
